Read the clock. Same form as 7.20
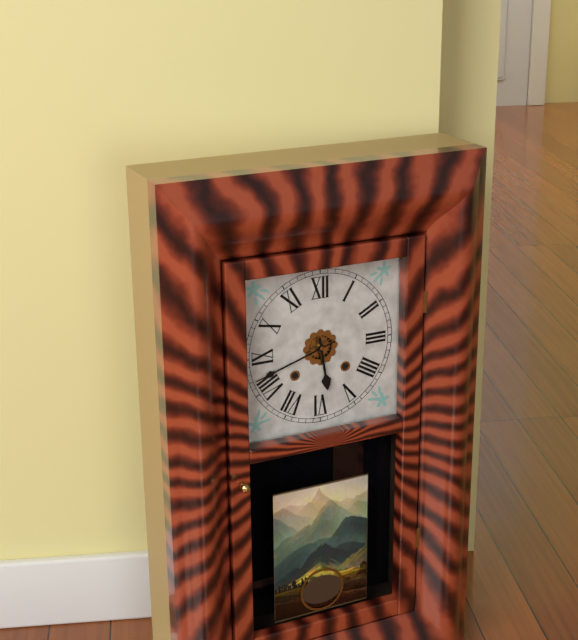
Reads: 5.42
